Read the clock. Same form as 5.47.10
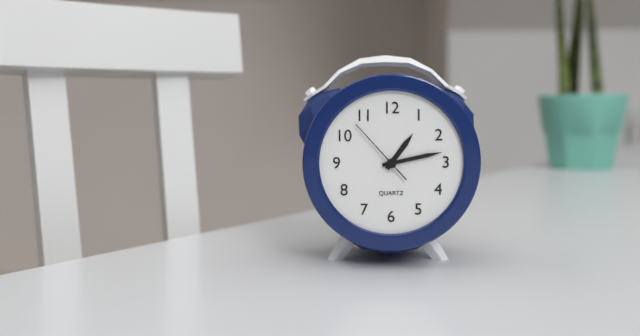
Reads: 1.13.53
